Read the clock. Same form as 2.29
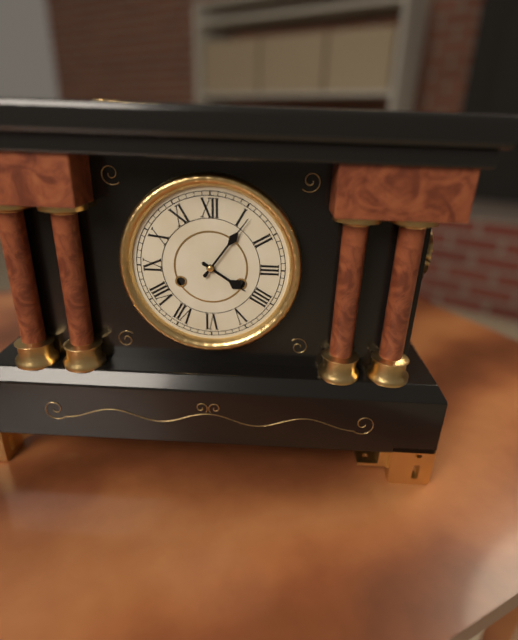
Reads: 4.06
